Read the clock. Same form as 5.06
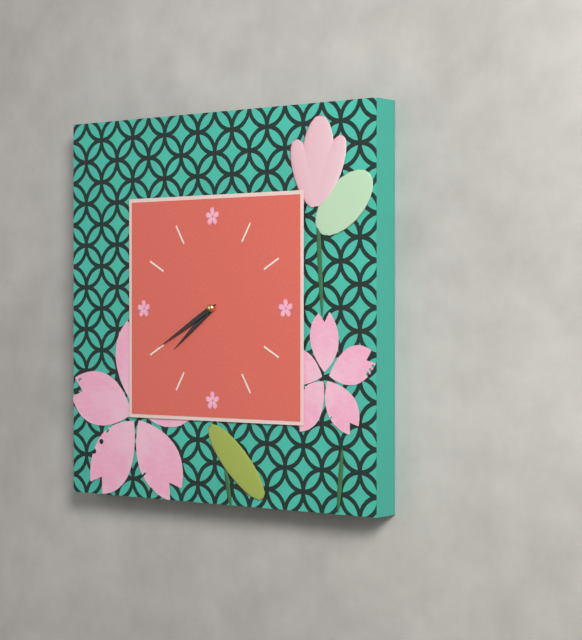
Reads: 7.40
